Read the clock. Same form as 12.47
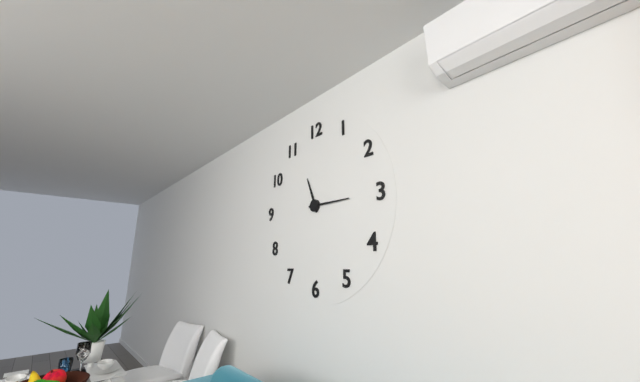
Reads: 11.15
